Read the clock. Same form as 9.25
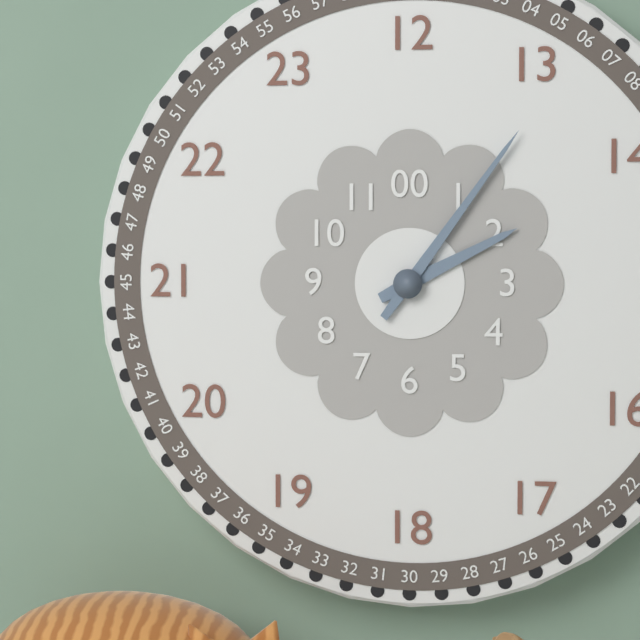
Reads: 2.06
